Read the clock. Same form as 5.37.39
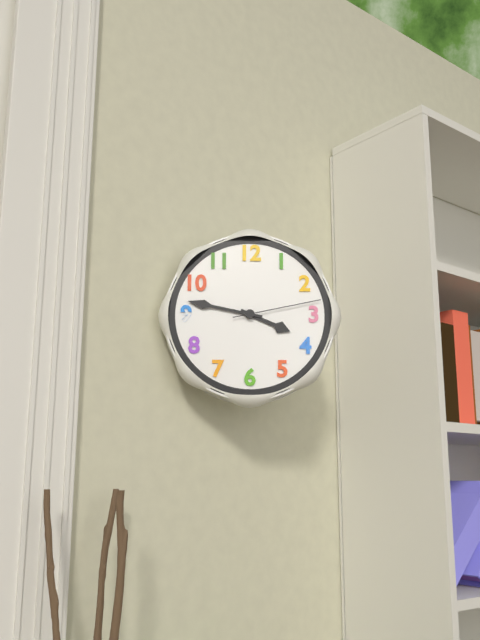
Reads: 3.47.13
